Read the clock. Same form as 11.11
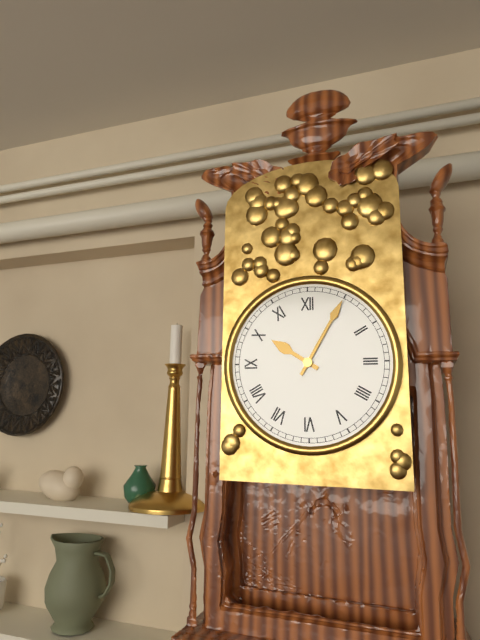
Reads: 10.05
